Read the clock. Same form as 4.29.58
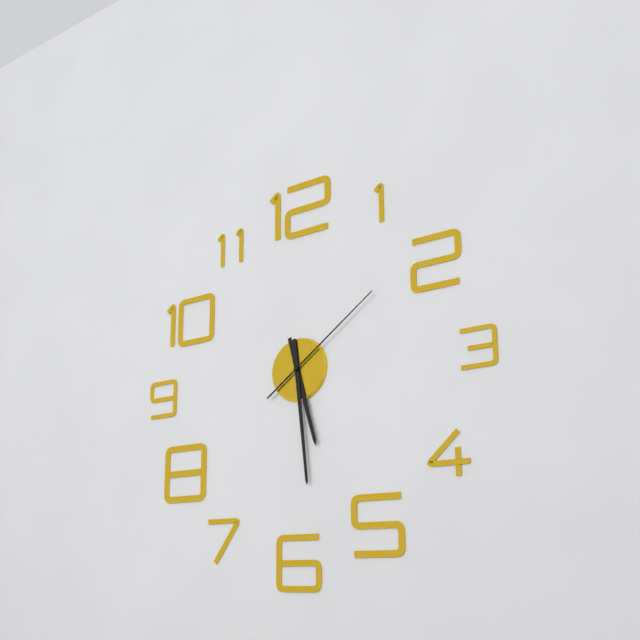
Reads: 5.29.09
